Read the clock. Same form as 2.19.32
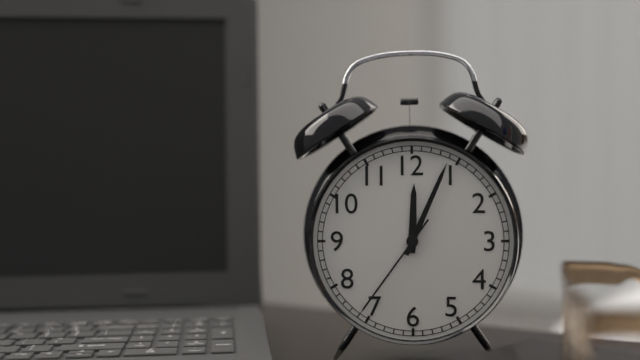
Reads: 12.04.36
